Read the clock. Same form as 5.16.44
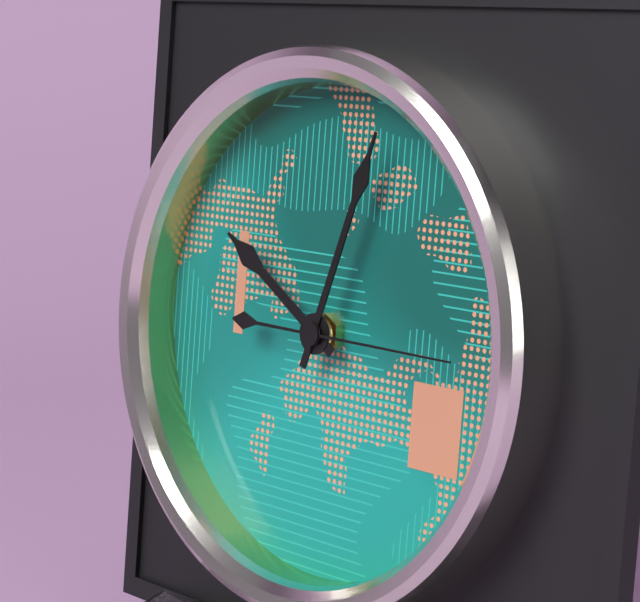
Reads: 10.03.15
